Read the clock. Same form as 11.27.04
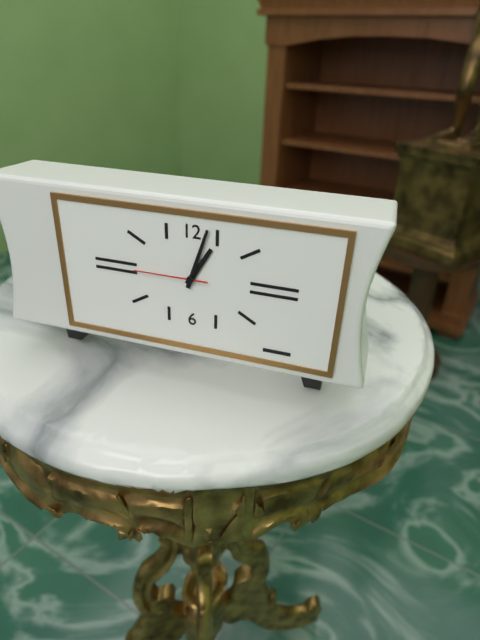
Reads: 1.03.45
